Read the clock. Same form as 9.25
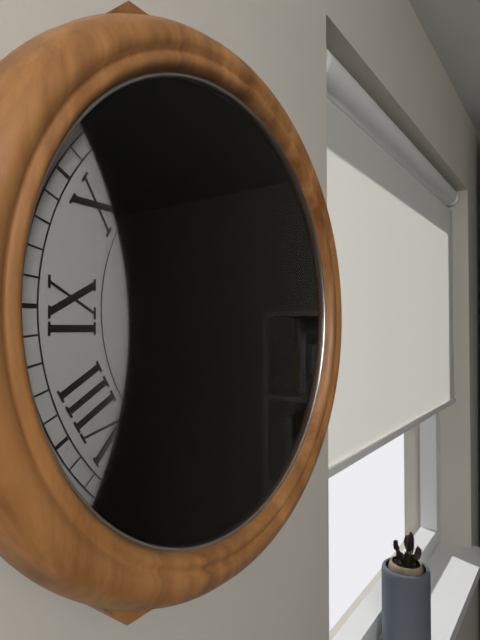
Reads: 4.06
